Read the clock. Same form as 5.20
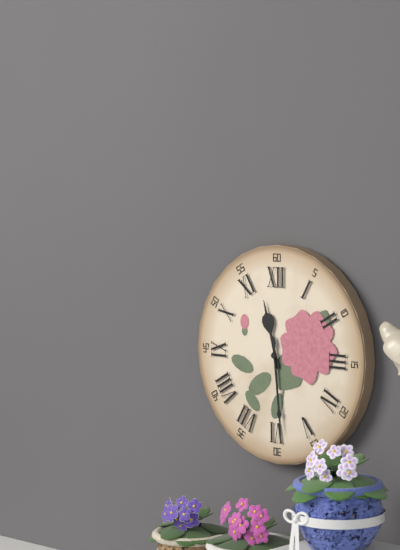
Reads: 11.29
